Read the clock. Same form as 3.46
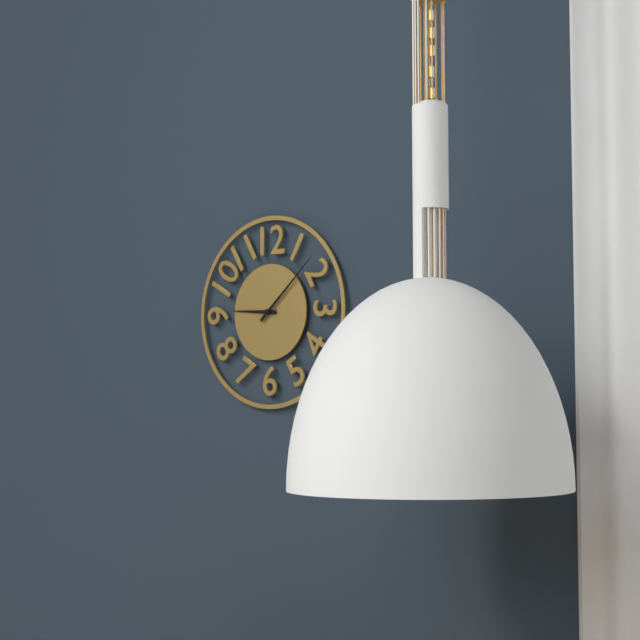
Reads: 9.08
